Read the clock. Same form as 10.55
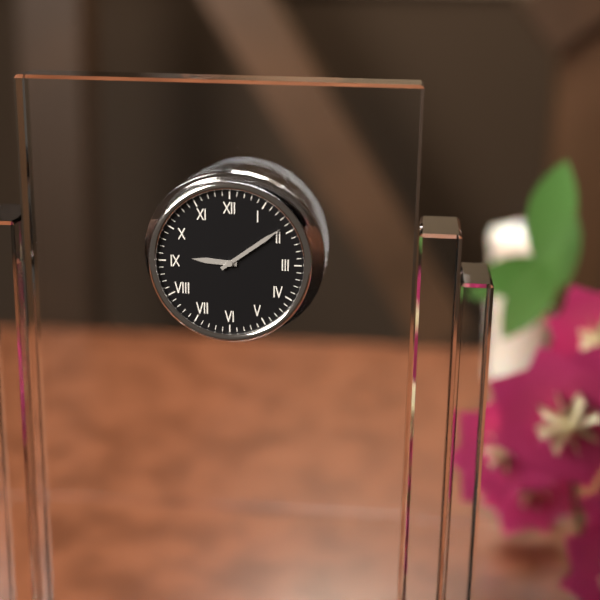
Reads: 9.09
